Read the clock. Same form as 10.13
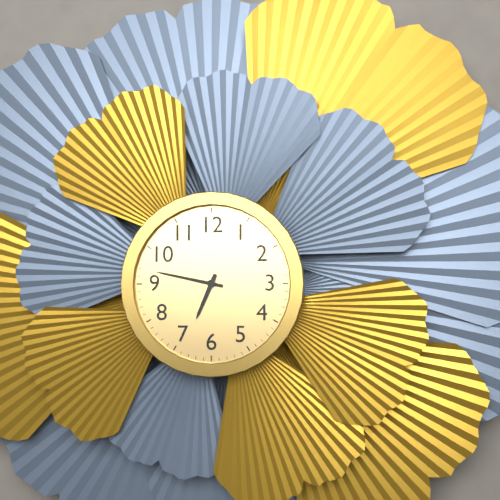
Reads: 6.47
